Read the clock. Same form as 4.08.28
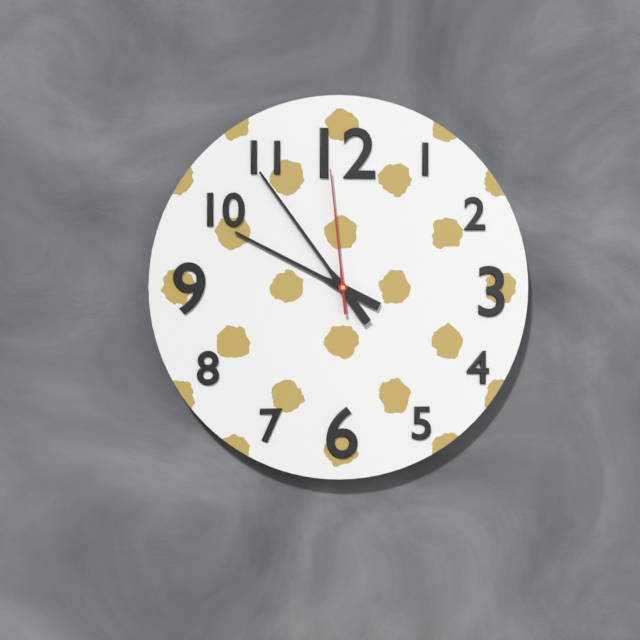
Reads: 9.54.59
